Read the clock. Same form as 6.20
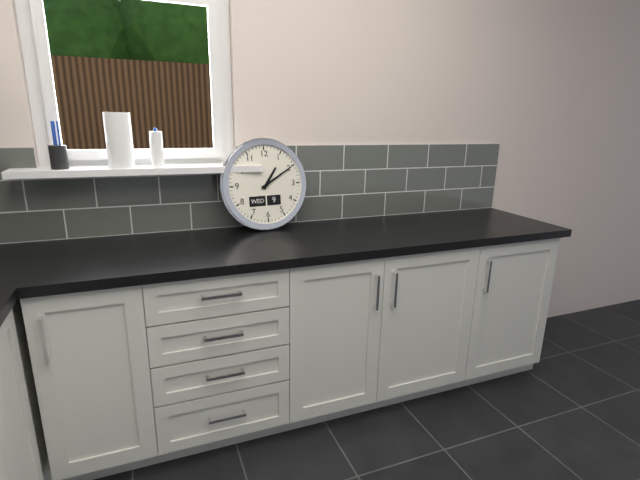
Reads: 1.10
